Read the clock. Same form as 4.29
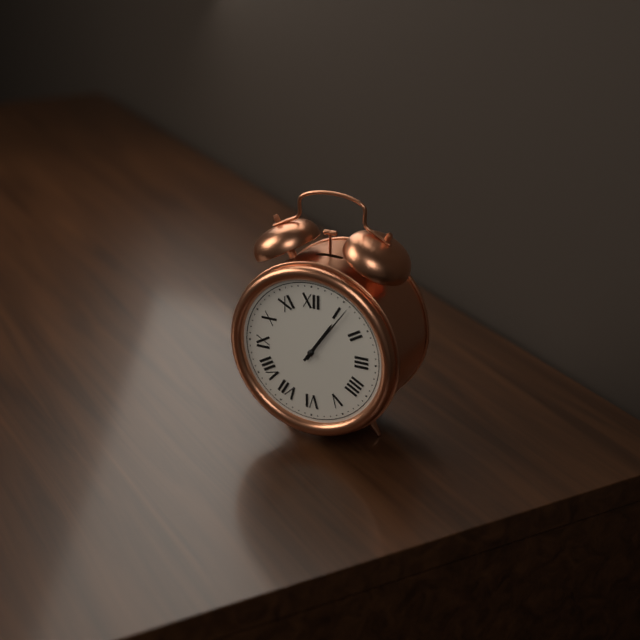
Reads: 1.06
